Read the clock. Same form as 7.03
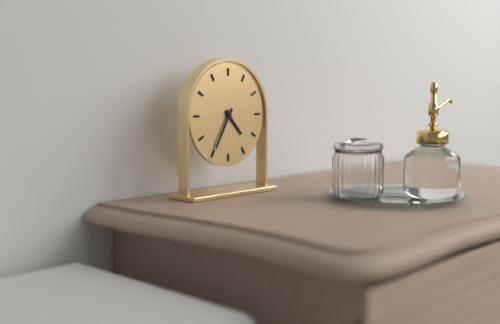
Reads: 4.35
